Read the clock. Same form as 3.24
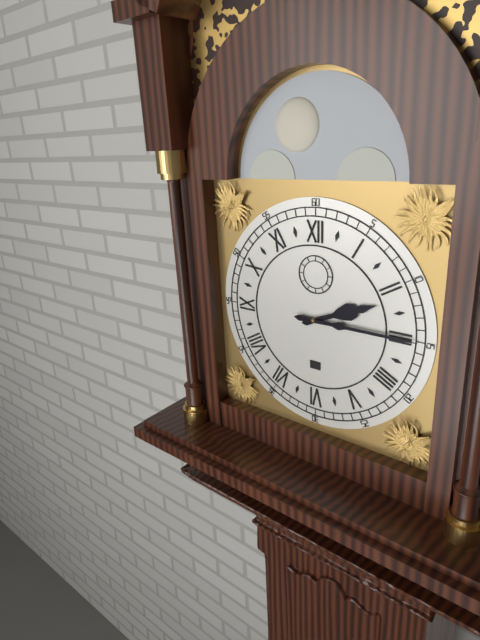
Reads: 2.15
